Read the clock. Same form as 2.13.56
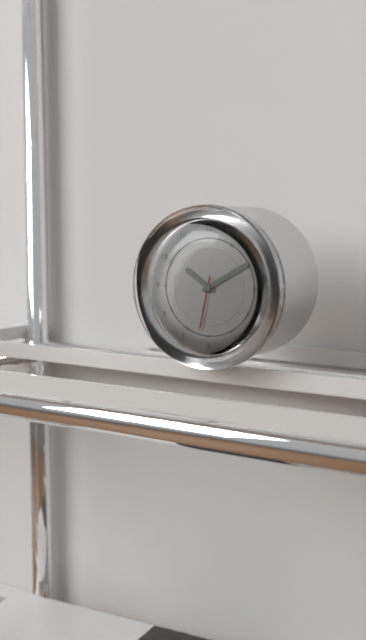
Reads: 10.10.32
